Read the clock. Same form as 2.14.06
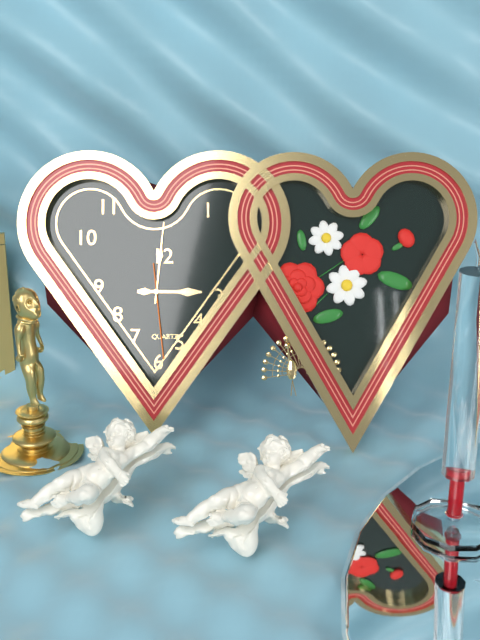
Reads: 3.01.29
